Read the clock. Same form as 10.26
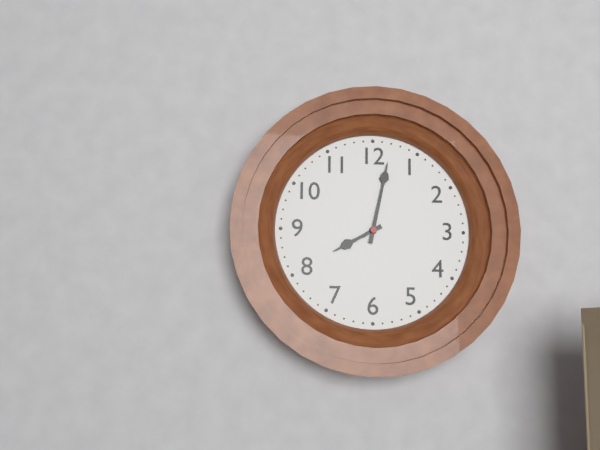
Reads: 8.02
